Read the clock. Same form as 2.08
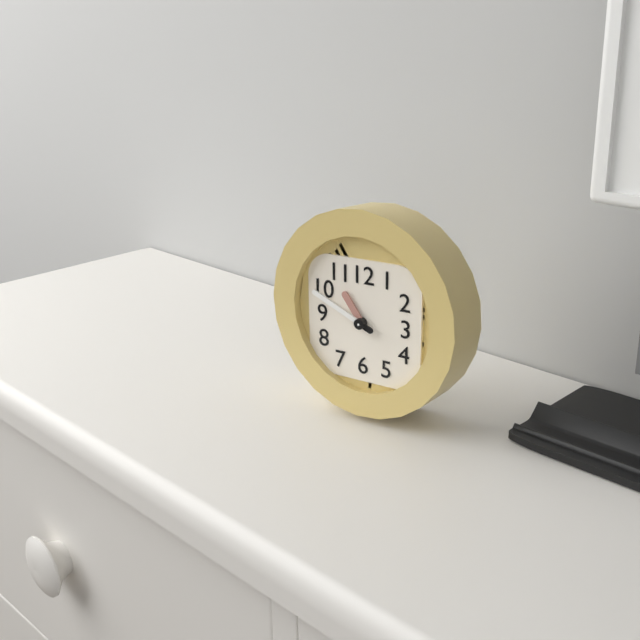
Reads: 10.49
